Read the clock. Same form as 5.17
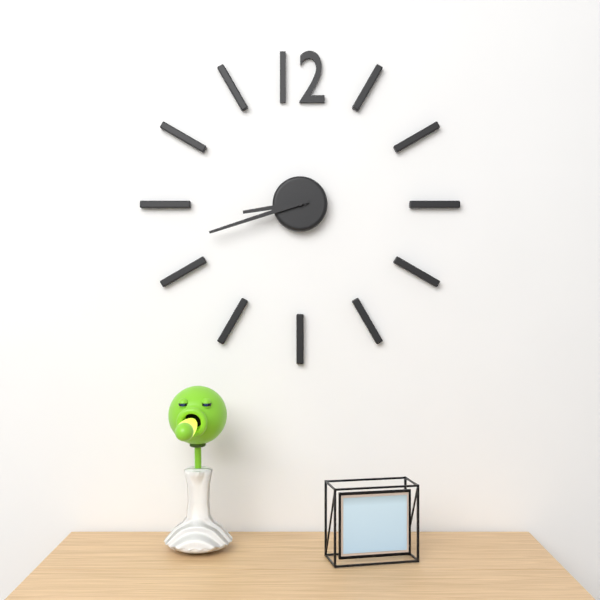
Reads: 8.42
